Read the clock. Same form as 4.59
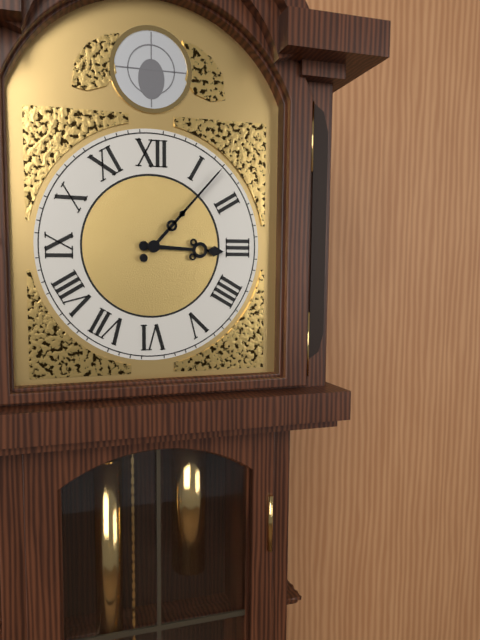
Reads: 3.07
